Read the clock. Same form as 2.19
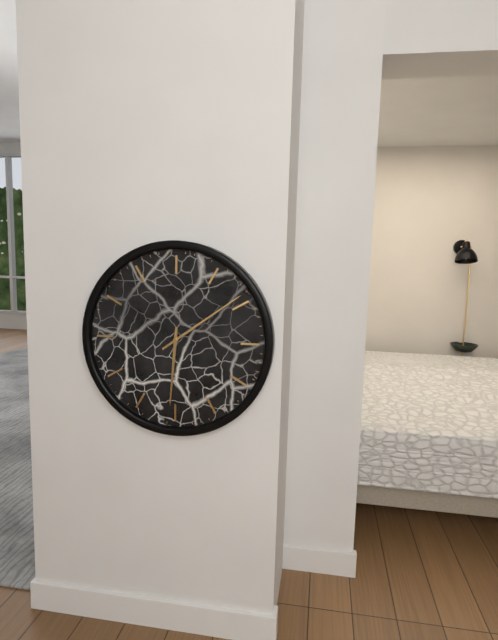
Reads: 6.09
